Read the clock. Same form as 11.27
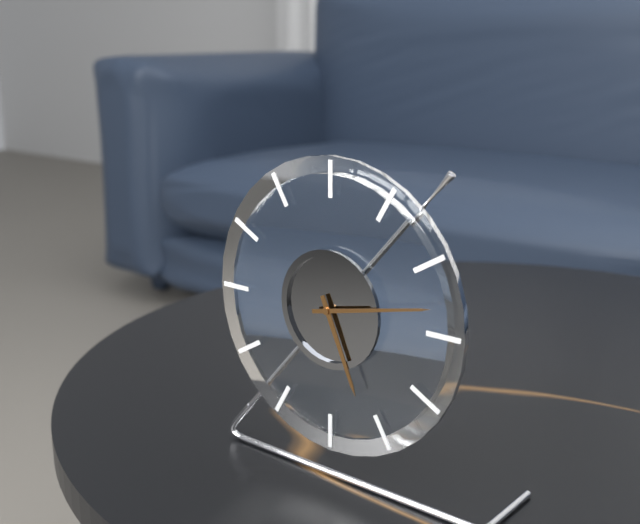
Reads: 5.13
